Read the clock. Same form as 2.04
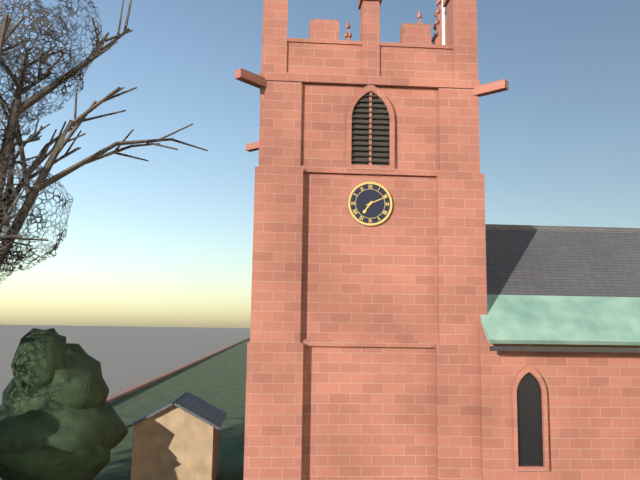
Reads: 7.11
